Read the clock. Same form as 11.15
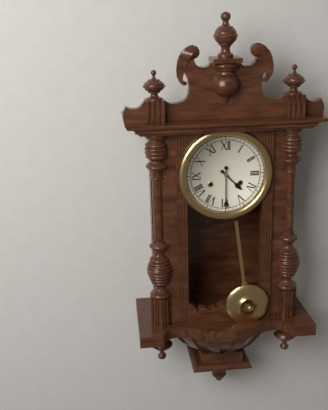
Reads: 4.30
